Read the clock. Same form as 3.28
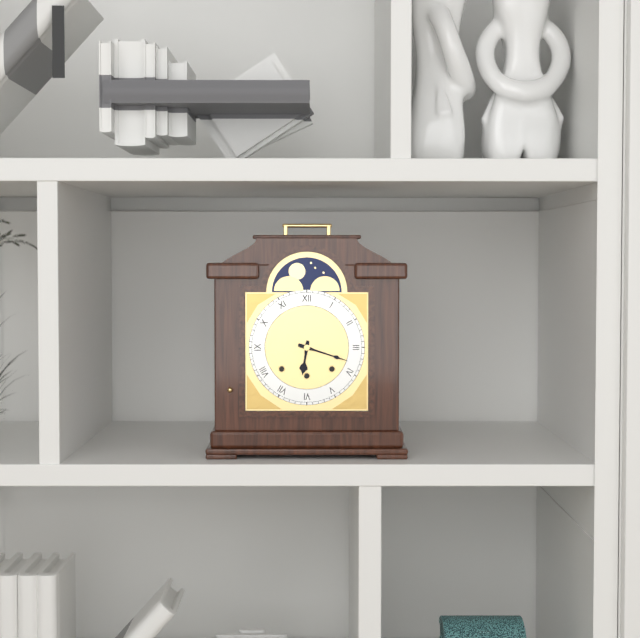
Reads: 6.18
